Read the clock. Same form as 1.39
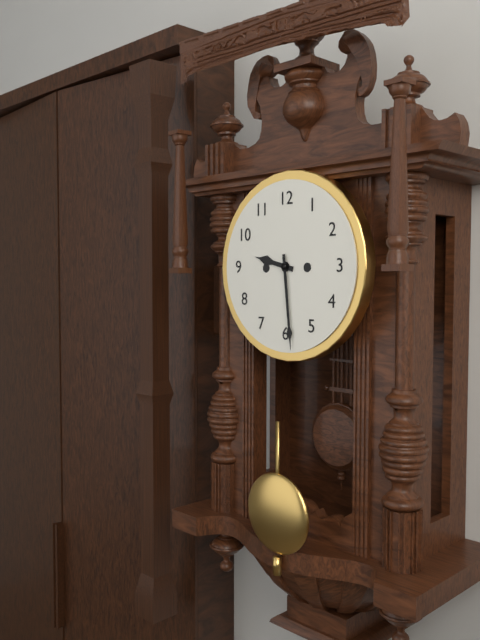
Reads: 9.29
